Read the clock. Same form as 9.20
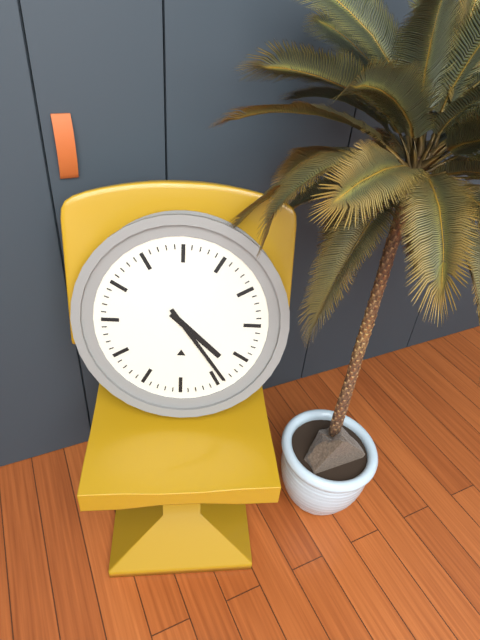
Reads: 4.24
